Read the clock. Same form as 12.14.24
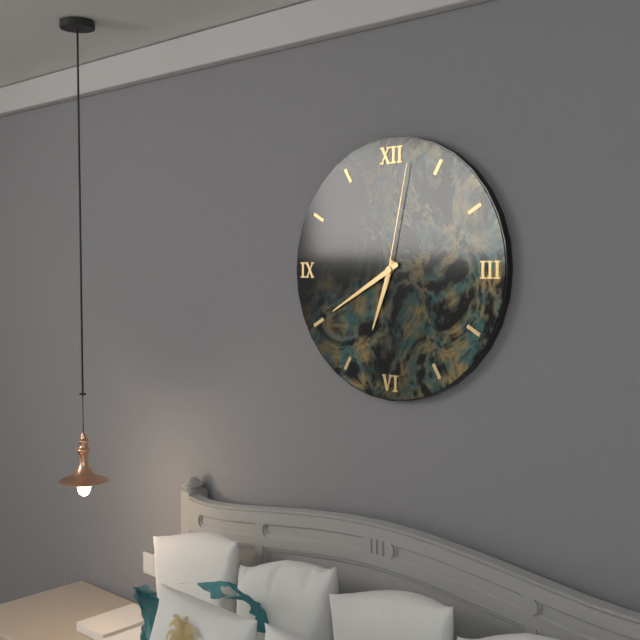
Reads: 6.40.02
